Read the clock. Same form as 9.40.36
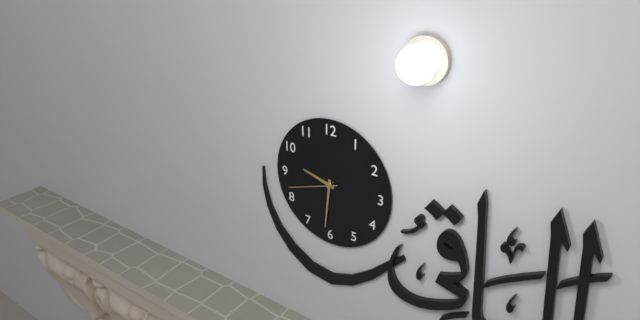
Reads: 9.31.42
